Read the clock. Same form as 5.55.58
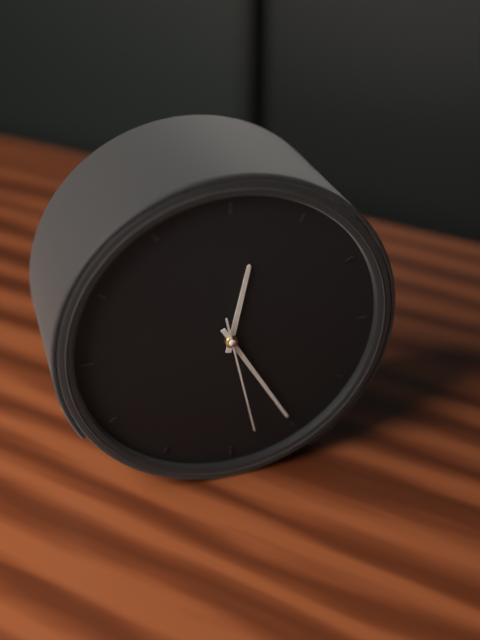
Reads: 12.25.28
